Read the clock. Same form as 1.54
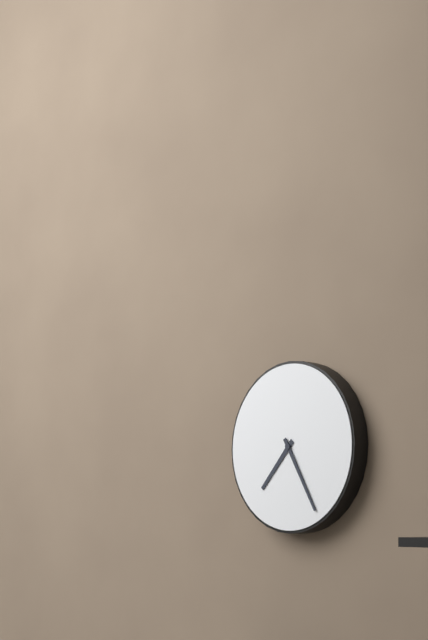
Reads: 7.25
